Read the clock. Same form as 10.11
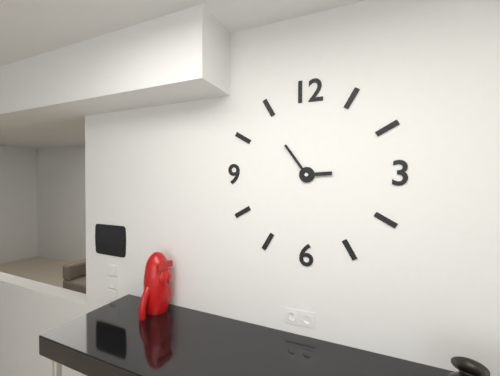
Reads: 2.54
